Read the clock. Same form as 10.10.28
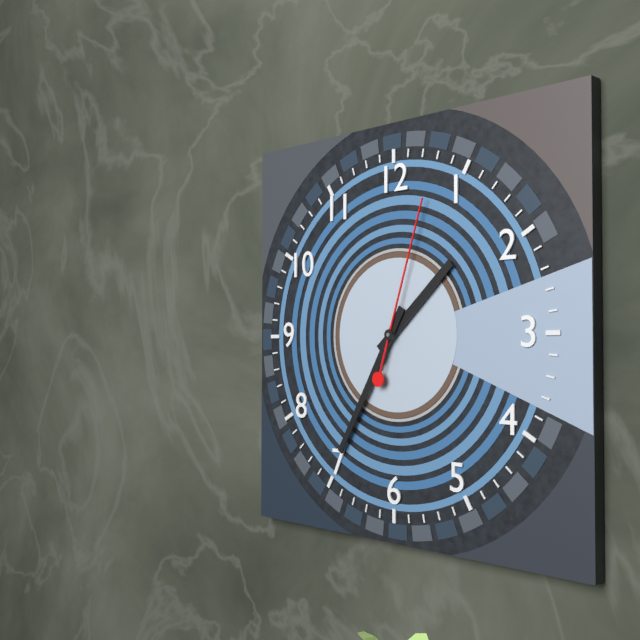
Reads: 1.35.03
